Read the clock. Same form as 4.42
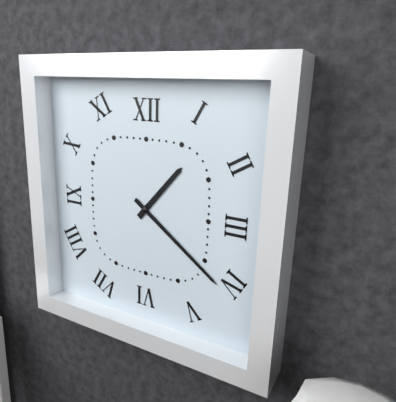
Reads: 1.21
